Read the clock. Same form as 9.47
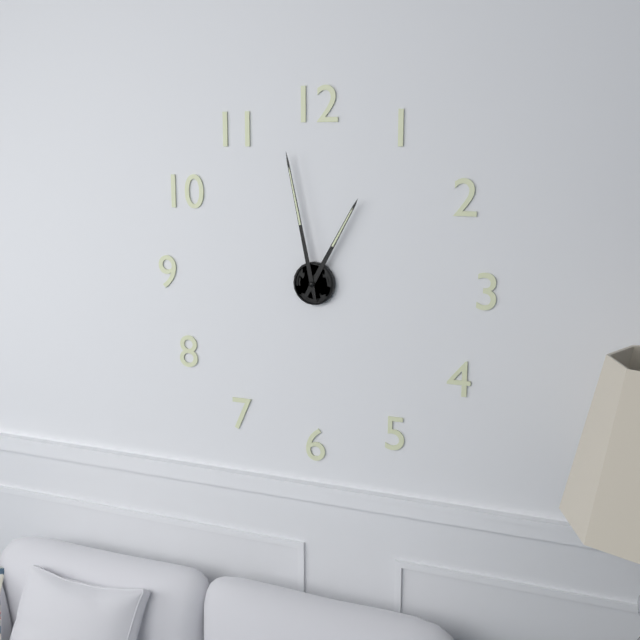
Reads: 12.58
